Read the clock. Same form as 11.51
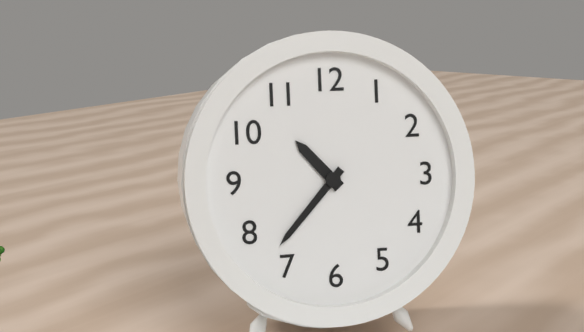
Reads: 10.37
